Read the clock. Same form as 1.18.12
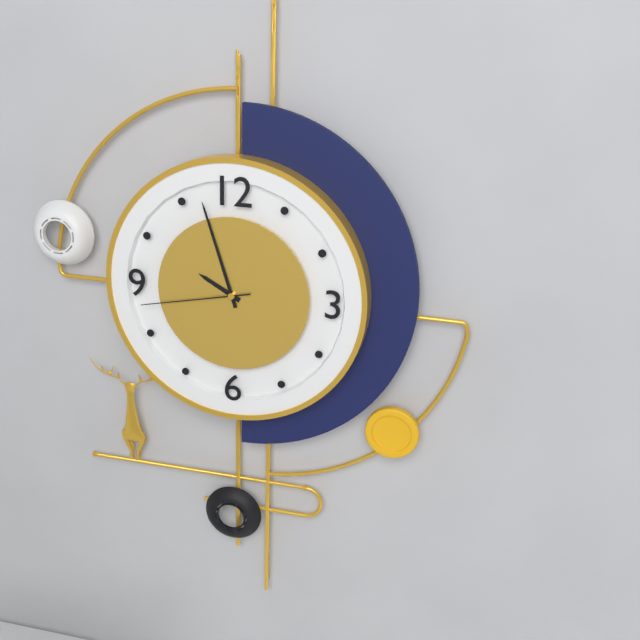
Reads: 9.57.43
